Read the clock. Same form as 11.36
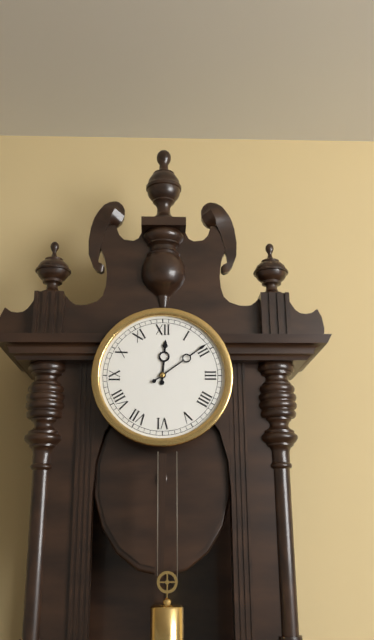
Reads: 12.09
